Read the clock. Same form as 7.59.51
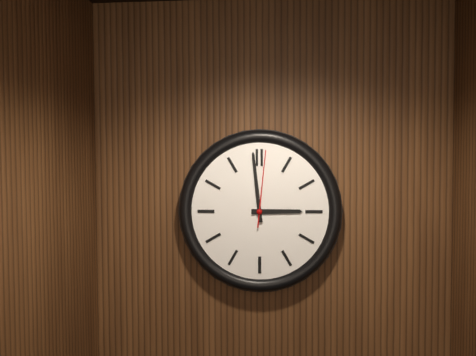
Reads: 2.59.01
